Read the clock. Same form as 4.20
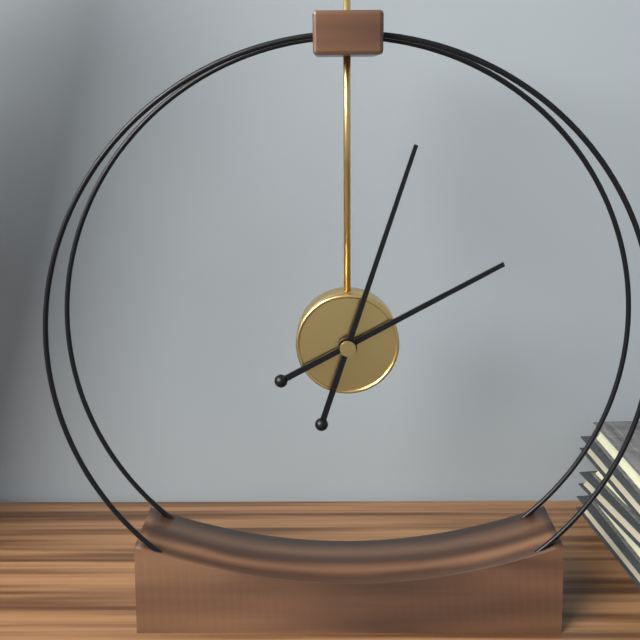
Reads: 2.03
